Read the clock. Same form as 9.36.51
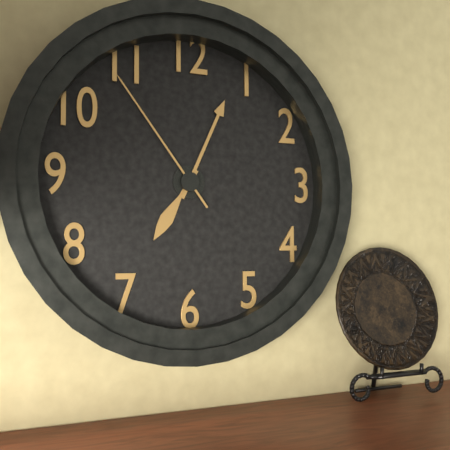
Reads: 7.04.54
